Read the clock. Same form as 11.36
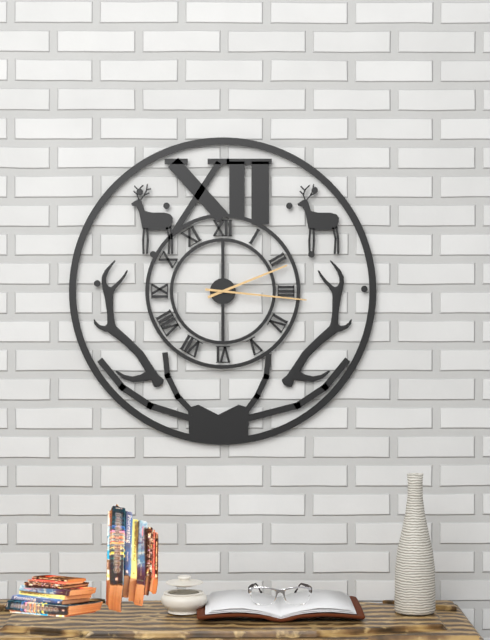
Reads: 2.16
